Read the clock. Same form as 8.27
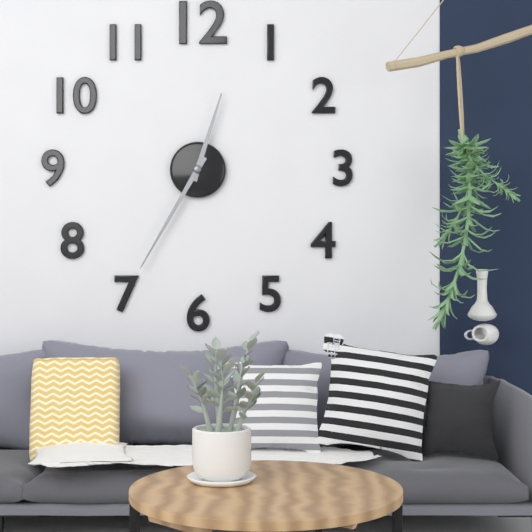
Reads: 12.35
